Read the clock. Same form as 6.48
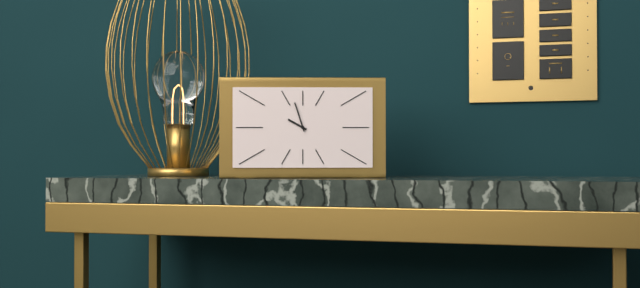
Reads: 9.57
